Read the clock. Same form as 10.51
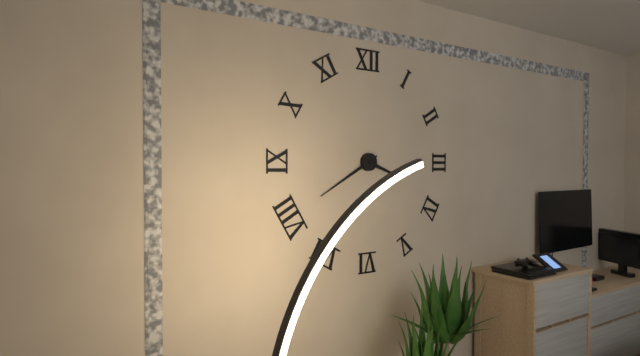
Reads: 3.40
